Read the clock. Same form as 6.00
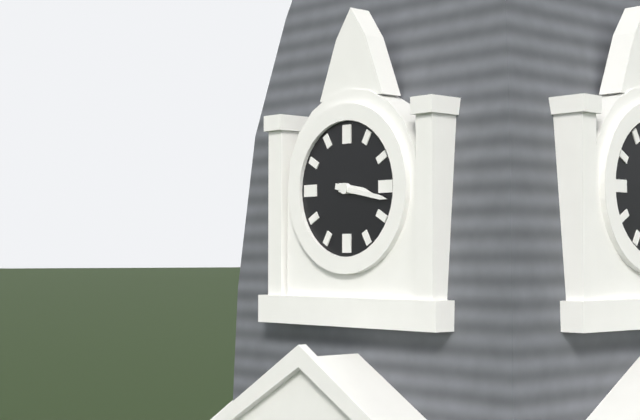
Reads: 3.17
